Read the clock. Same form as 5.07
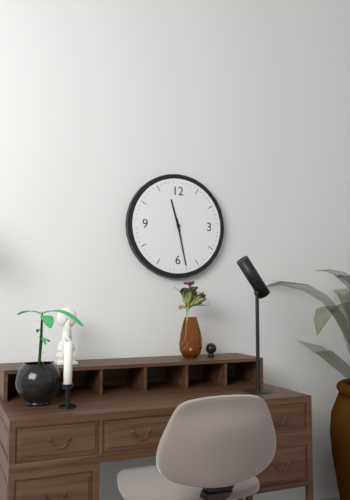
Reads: 11.28
